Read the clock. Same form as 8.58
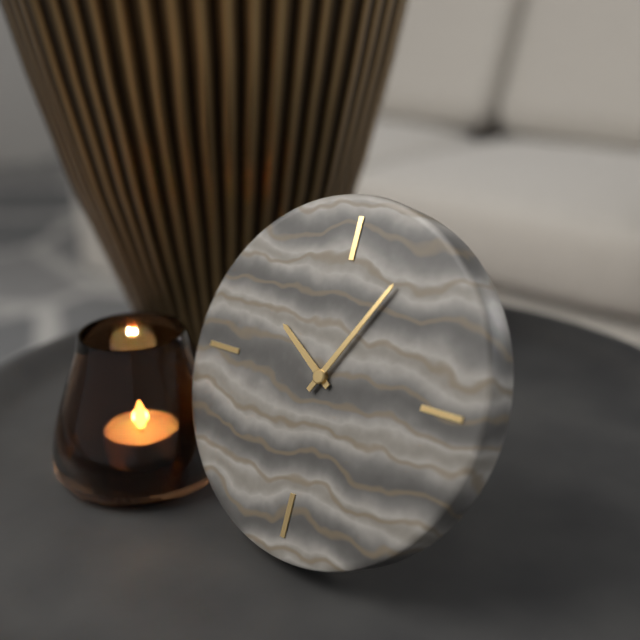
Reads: 10.05
